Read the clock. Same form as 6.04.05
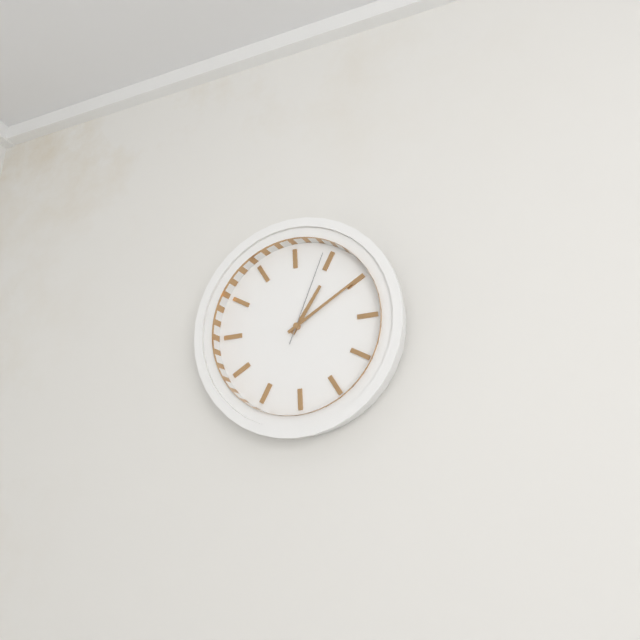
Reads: 1.10.04
